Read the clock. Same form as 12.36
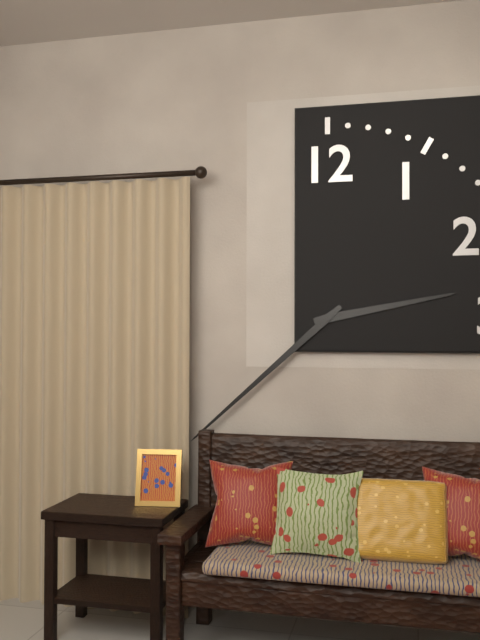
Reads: 2.38
